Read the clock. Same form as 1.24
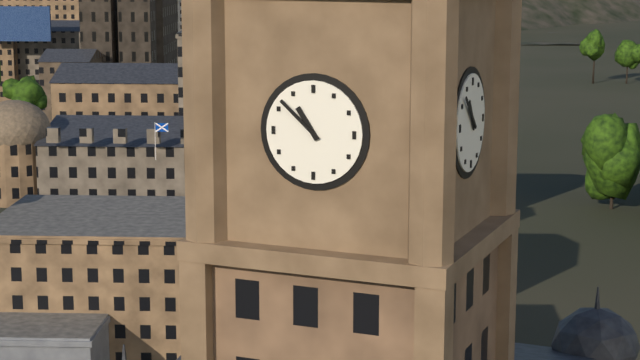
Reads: 10.52
